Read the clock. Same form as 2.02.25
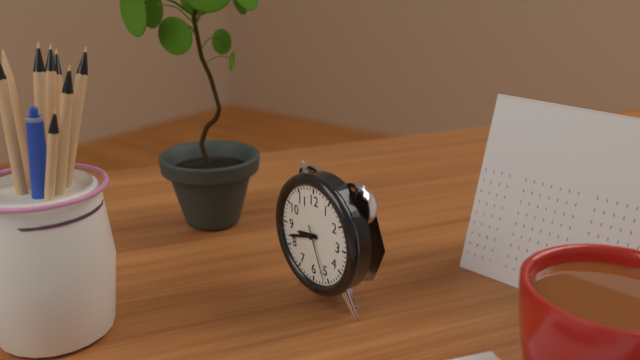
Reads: 8.42.26
